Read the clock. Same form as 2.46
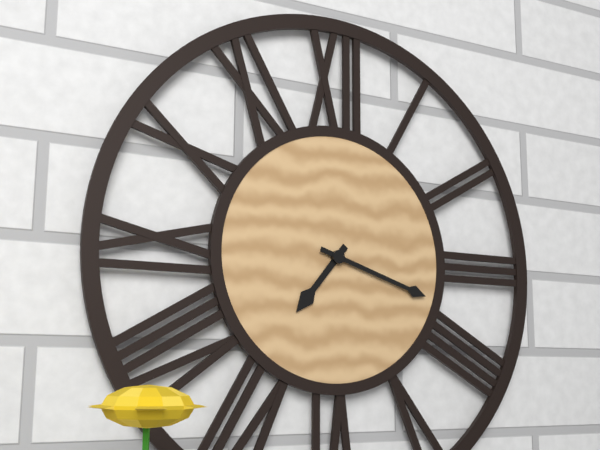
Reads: 7.18
